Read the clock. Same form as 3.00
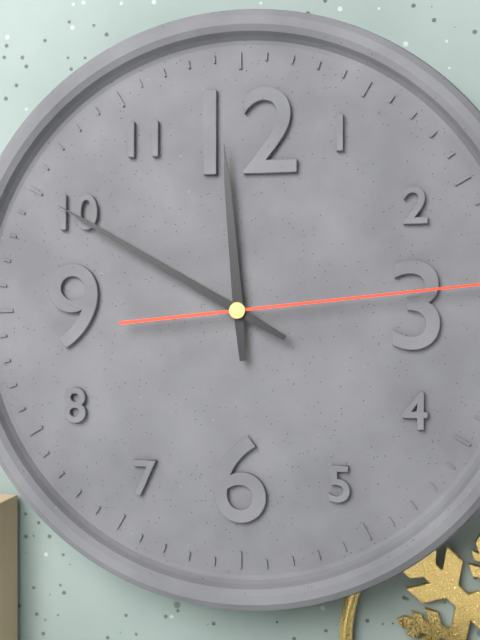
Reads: 11.50
